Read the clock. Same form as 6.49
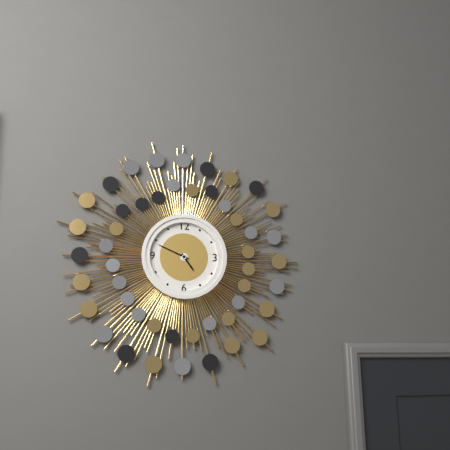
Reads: 4.49
